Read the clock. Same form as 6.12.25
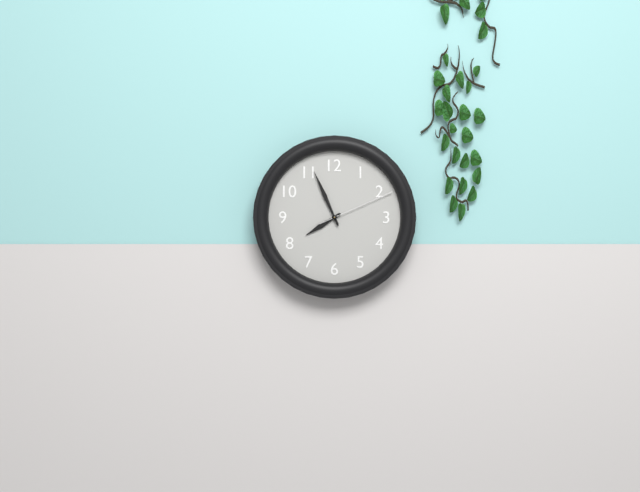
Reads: 7.56.11
